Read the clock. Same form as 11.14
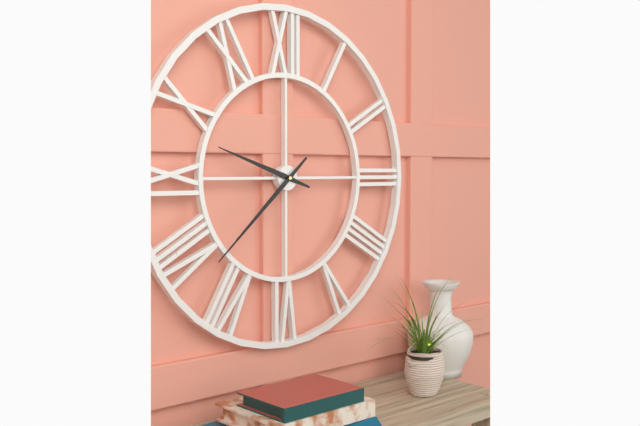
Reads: 9.38
